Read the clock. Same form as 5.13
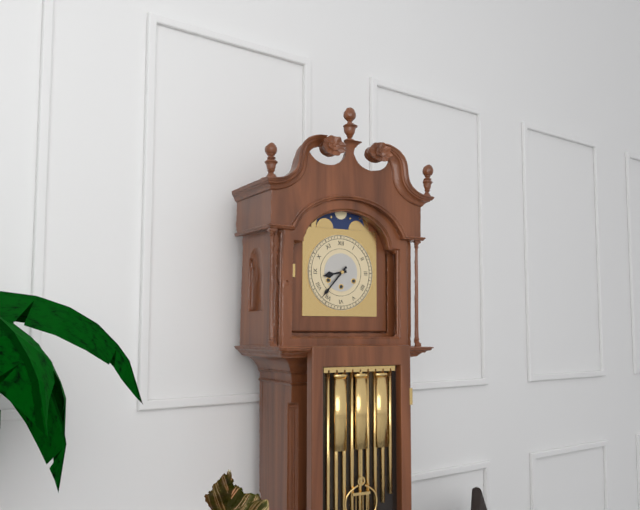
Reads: 8.37
